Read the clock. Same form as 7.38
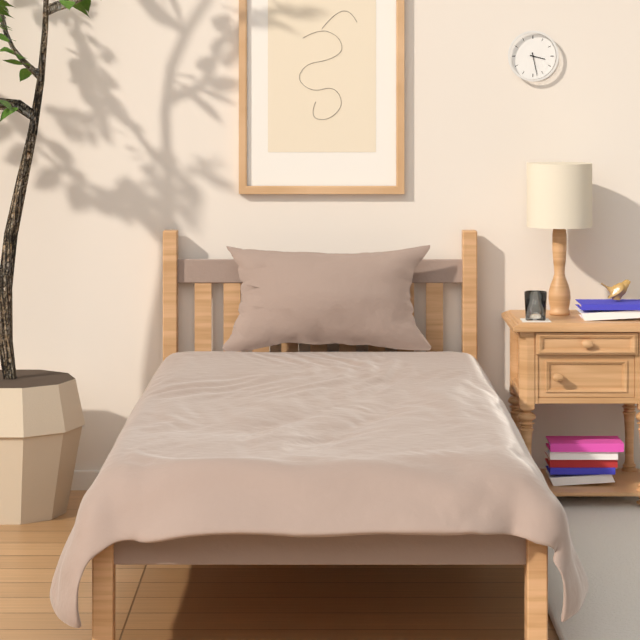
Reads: 3.28
